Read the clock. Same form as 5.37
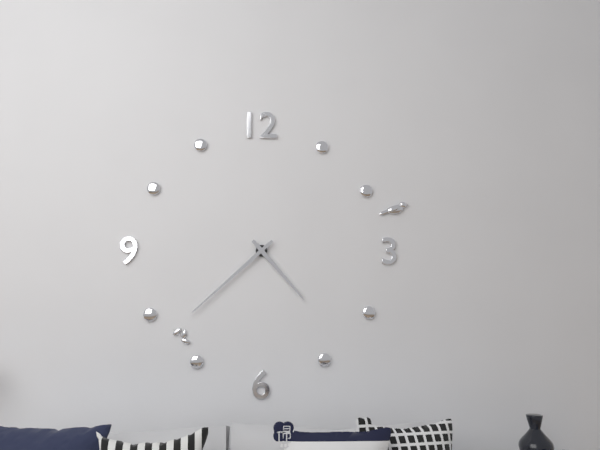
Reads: 4.38
